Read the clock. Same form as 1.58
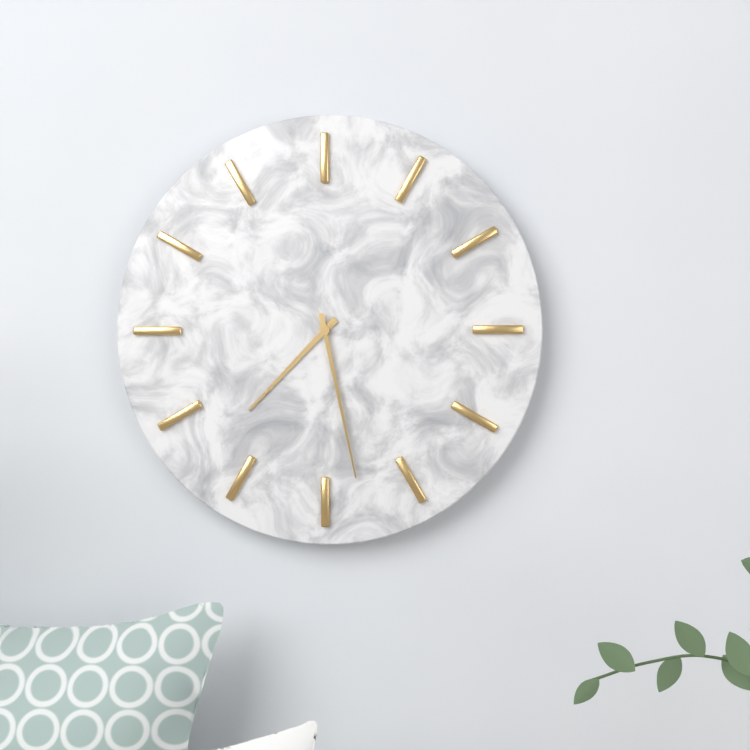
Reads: 7.28
